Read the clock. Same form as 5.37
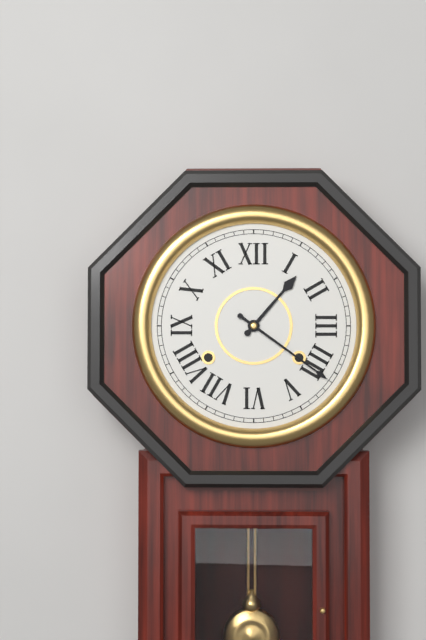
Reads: 1.21
